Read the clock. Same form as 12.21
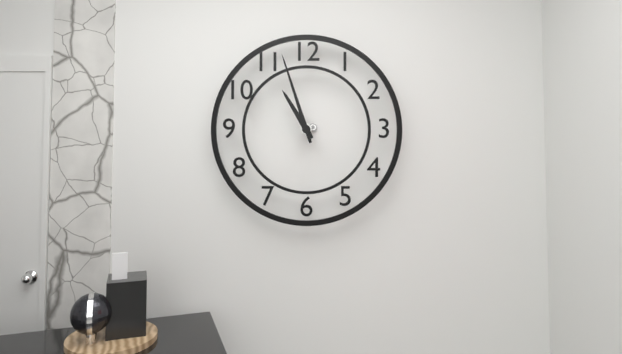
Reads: 10.57
